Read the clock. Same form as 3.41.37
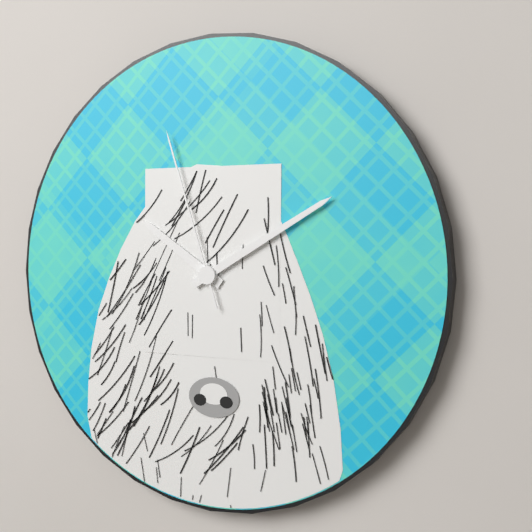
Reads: 10.10.57
